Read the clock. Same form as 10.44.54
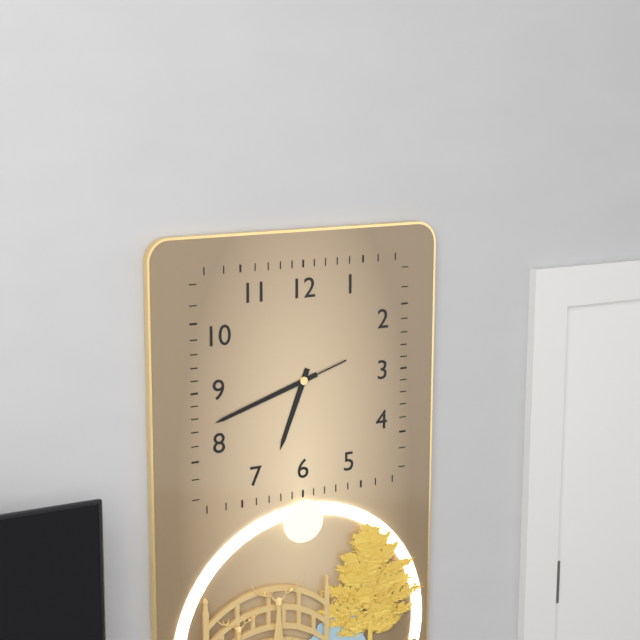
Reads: 6.42.42
